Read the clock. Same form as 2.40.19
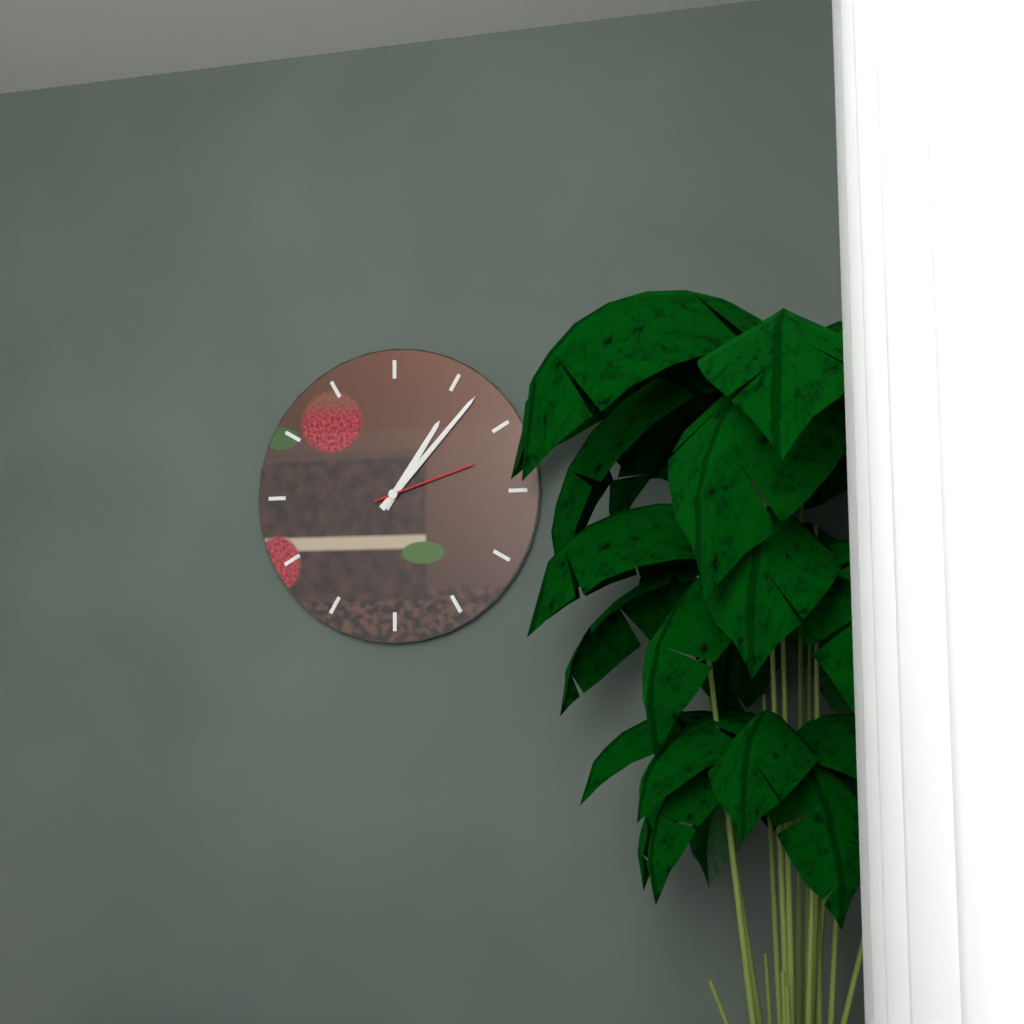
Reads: 1.07.12
